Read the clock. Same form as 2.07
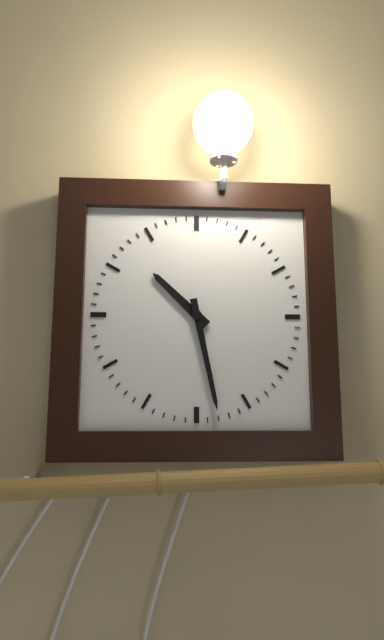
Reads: 10.28
